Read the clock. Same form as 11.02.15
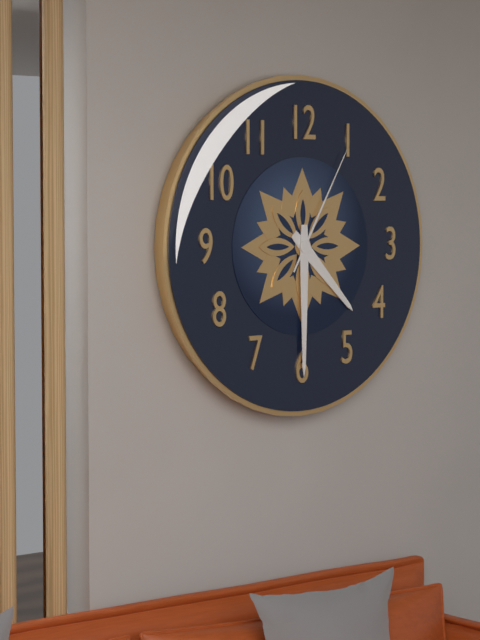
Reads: 4.30.05
